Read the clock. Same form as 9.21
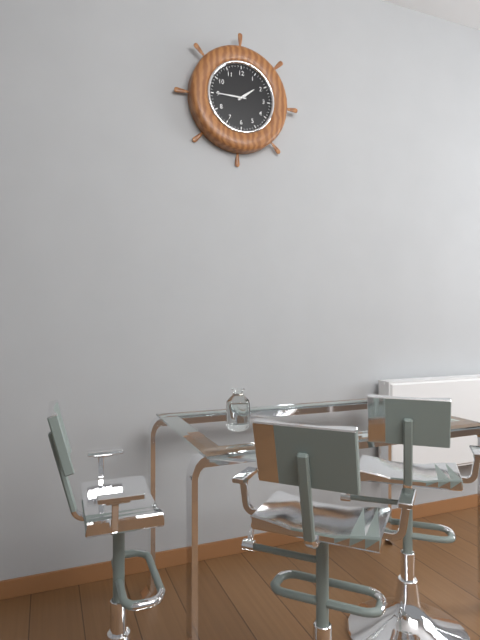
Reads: 1.45
